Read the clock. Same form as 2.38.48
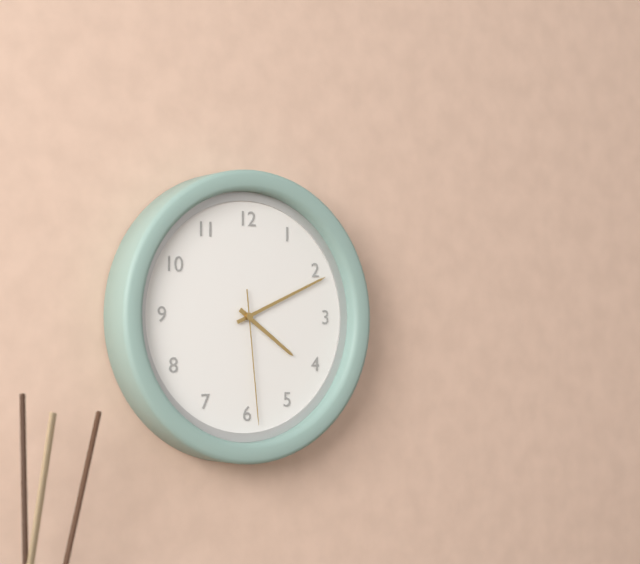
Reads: 4.11.29
